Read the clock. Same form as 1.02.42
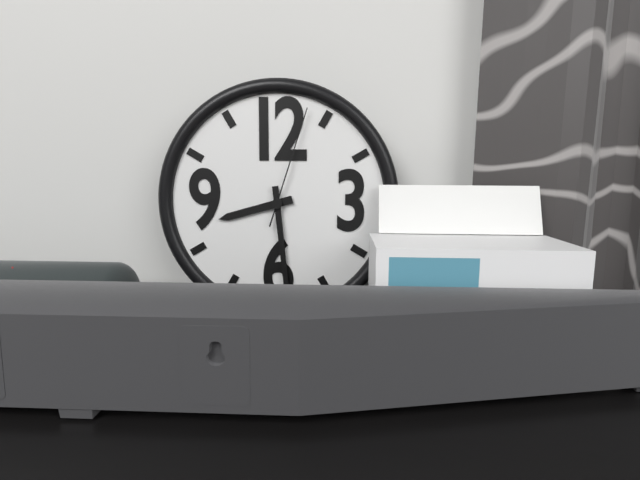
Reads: 8.29.03
